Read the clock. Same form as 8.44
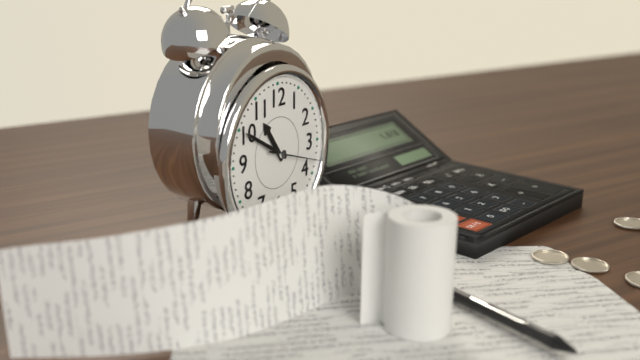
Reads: 10.50
